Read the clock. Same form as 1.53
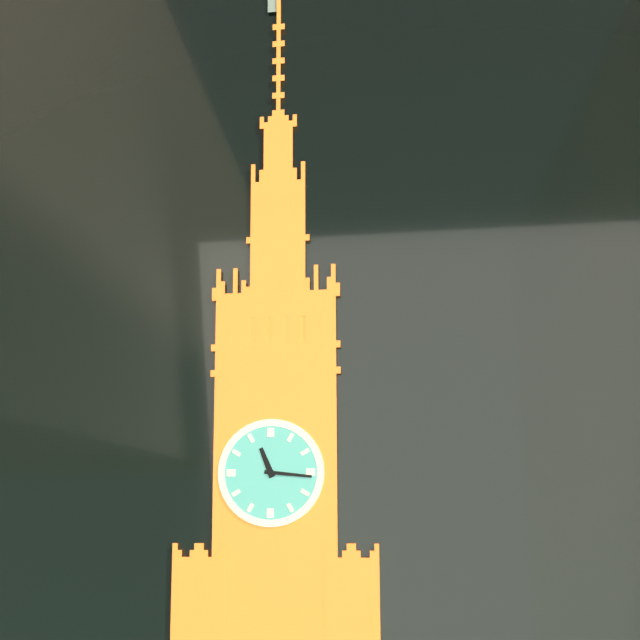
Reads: 11.16
